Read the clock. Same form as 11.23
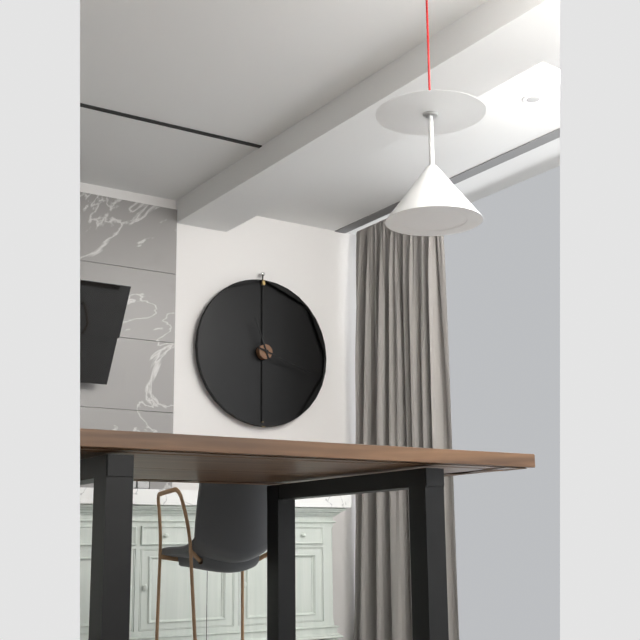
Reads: 11.18
